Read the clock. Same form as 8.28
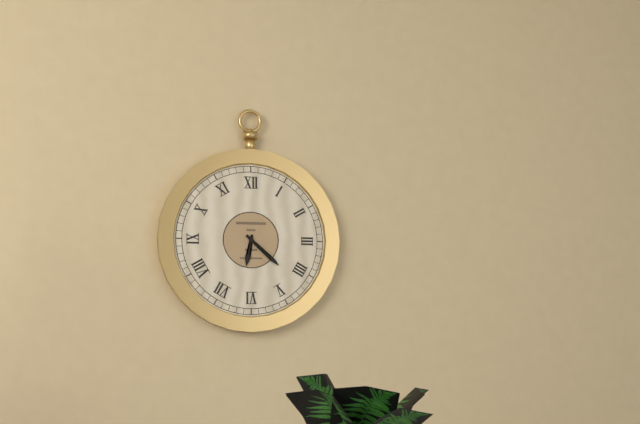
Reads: 6.22
